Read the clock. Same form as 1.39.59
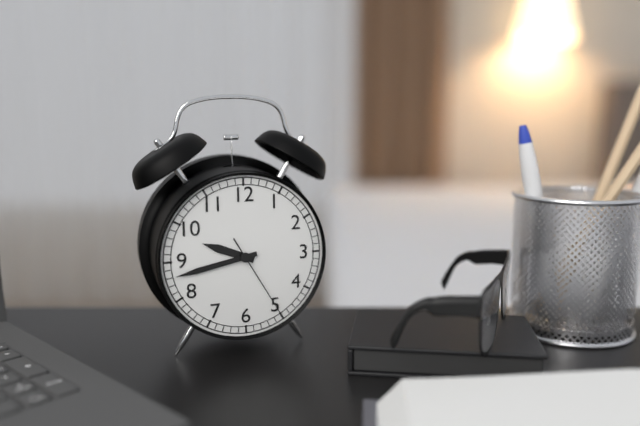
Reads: 9.43.25
